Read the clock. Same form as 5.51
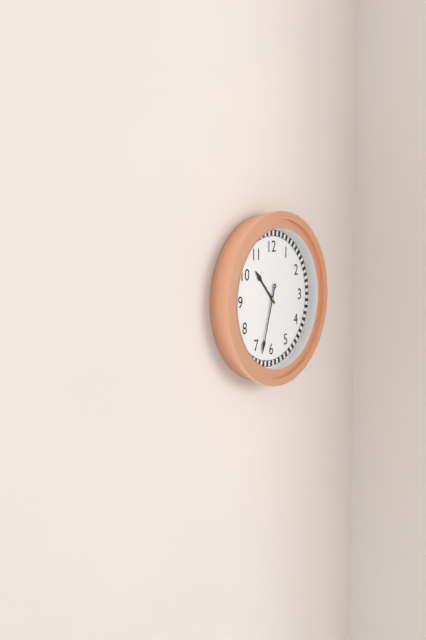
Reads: 10.33
